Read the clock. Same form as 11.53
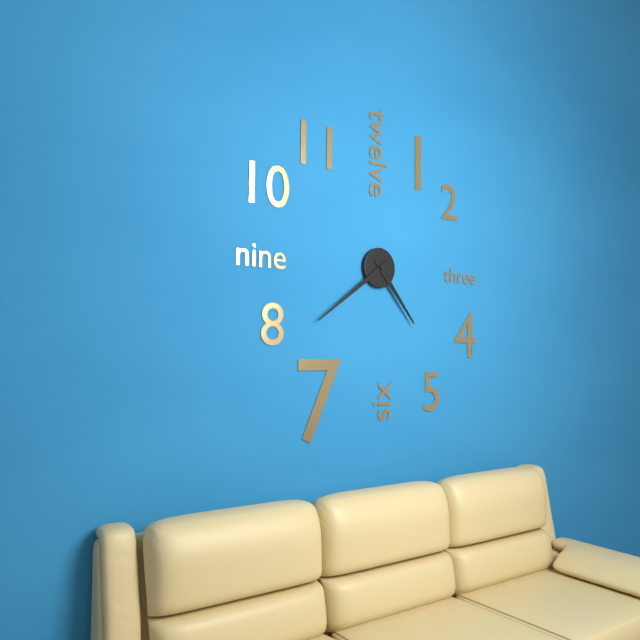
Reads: 4.39
